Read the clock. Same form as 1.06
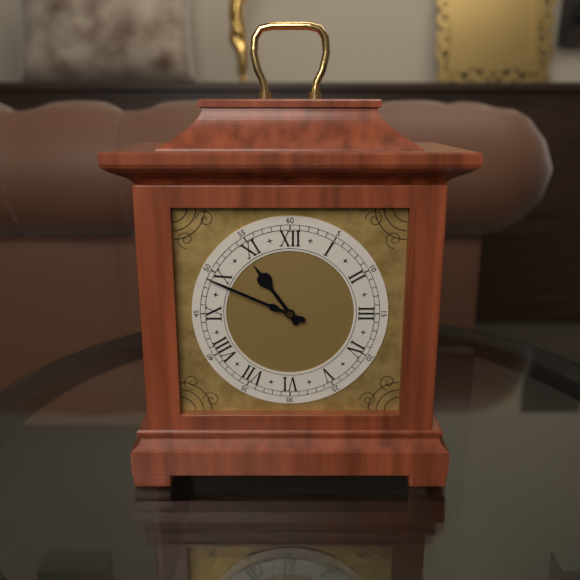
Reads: 10.49
